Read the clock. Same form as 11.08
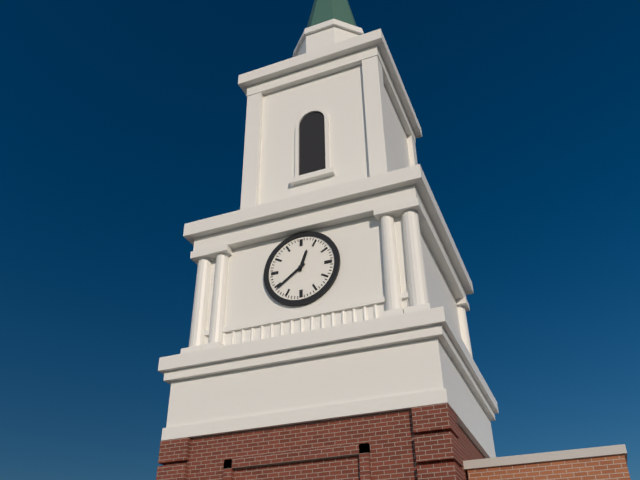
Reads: 12.39
